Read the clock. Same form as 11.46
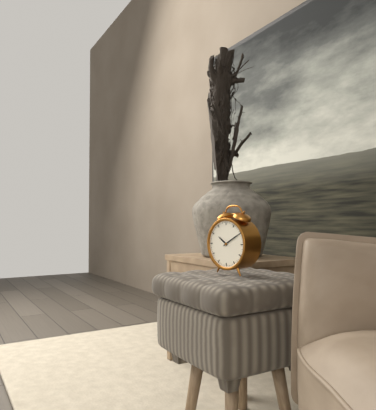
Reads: 10.10
